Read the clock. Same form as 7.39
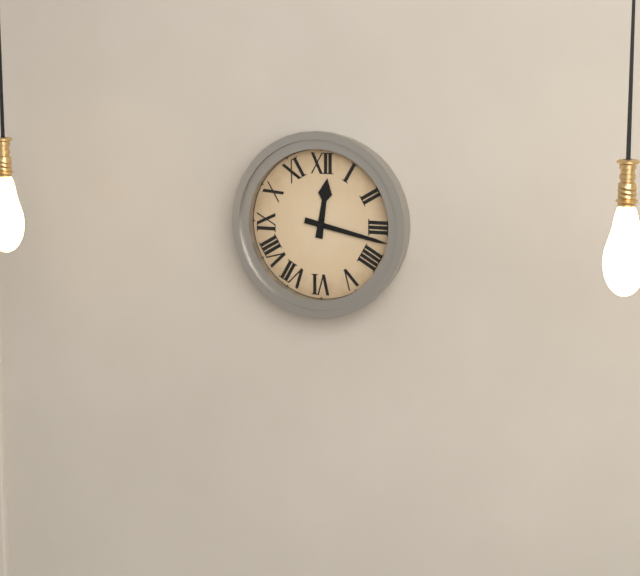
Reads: 12.17
